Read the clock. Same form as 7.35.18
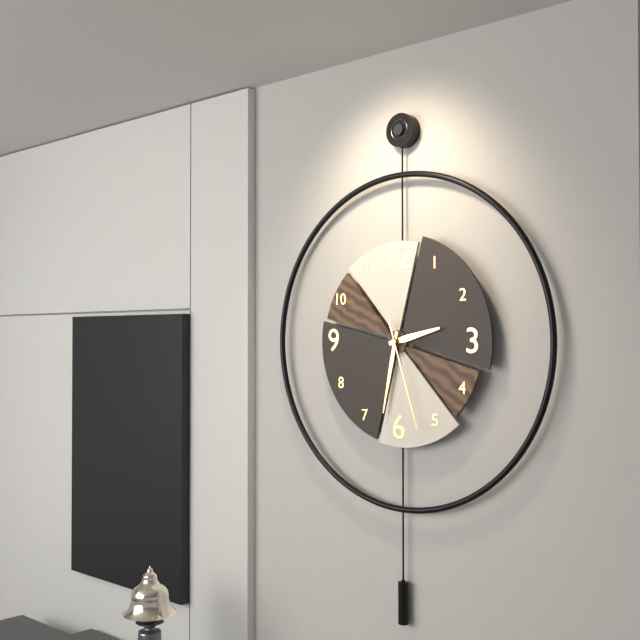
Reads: 2.32.27
